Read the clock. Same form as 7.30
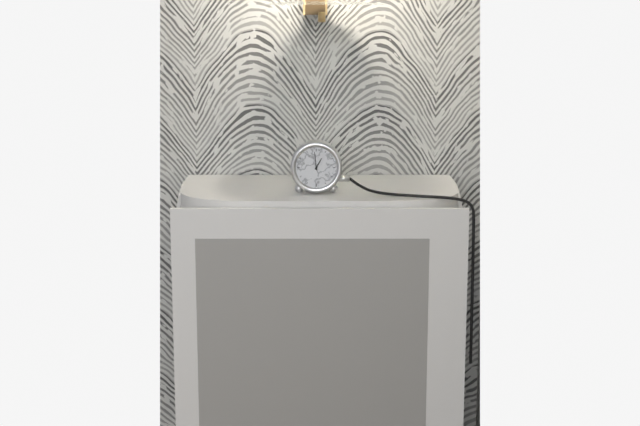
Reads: 12.59
